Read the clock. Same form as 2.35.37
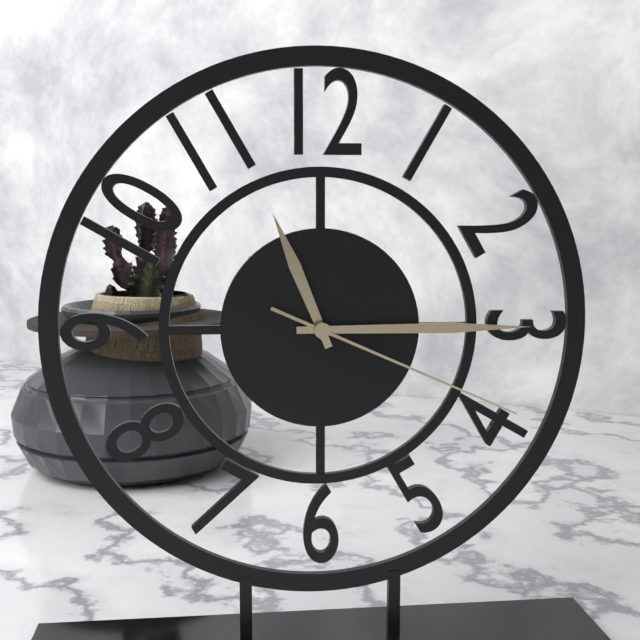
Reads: 11.15.19
